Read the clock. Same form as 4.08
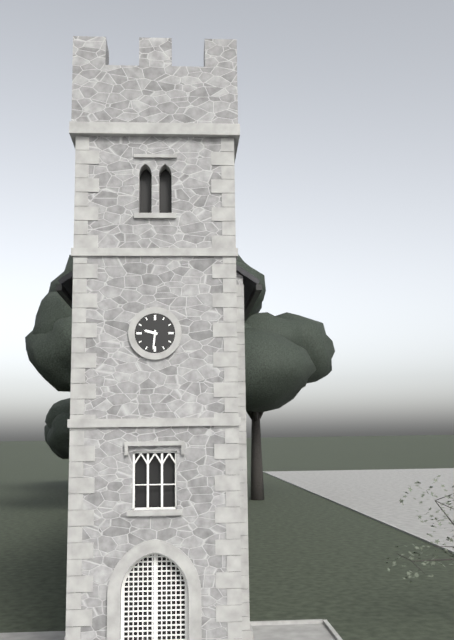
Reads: 9.31
